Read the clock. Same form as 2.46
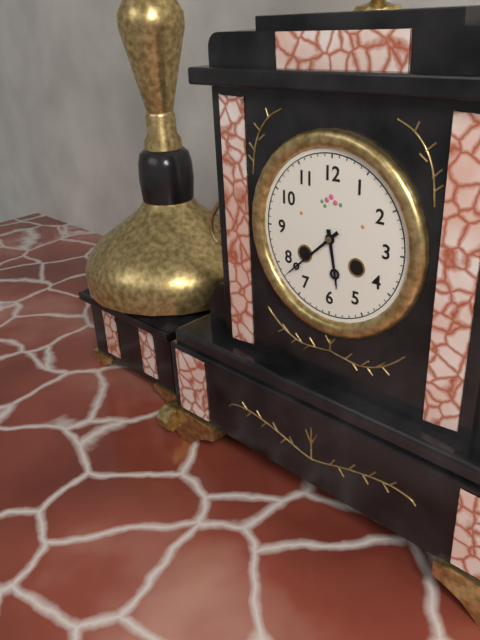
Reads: 5.38
